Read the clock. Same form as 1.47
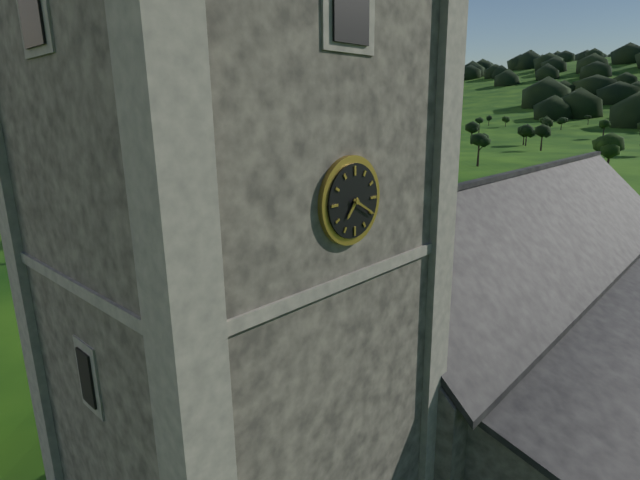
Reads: 7.20
